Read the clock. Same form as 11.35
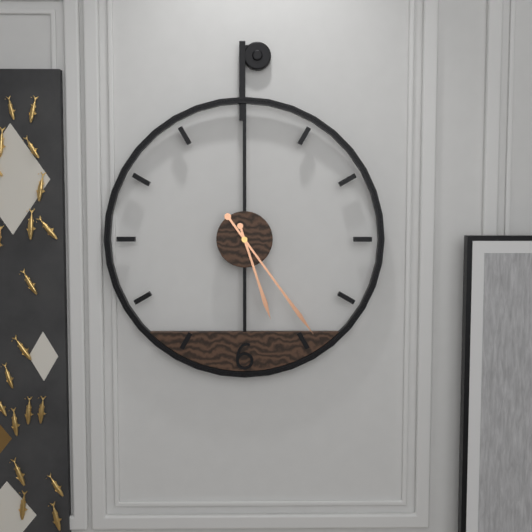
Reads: 5.24
